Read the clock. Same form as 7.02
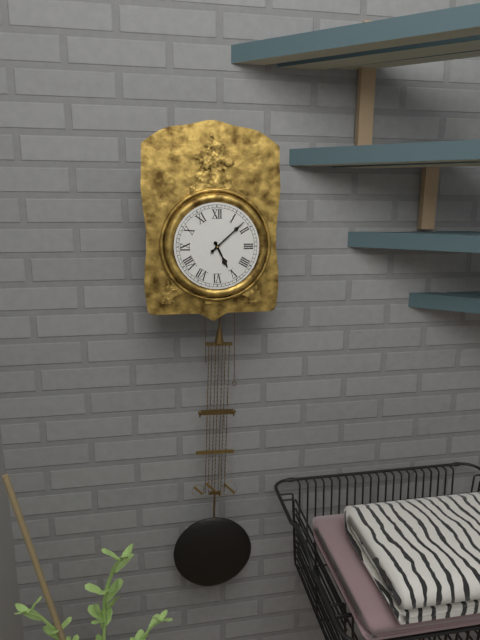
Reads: 5.08
